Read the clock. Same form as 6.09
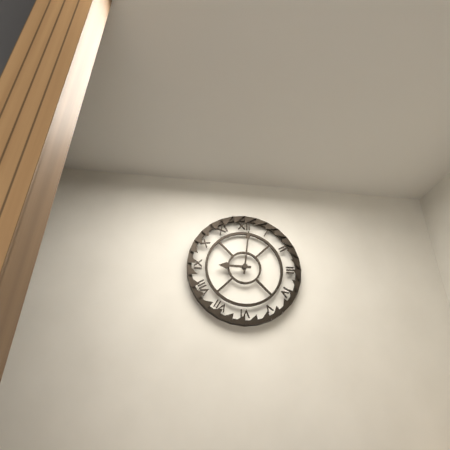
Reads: 9.01
